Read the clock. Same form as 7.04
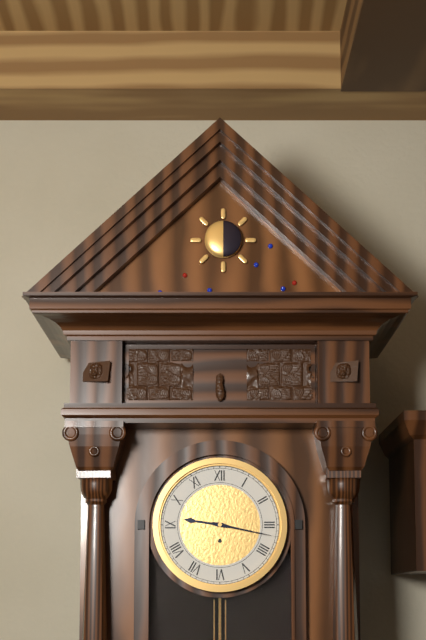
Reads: 9.17
